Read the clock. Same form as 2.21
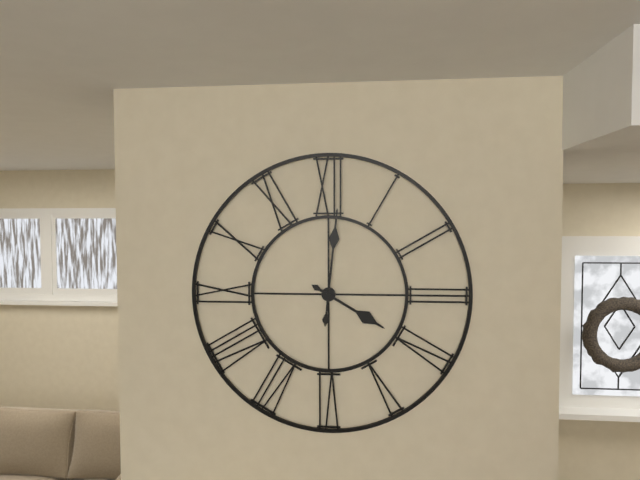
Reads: 4.01
